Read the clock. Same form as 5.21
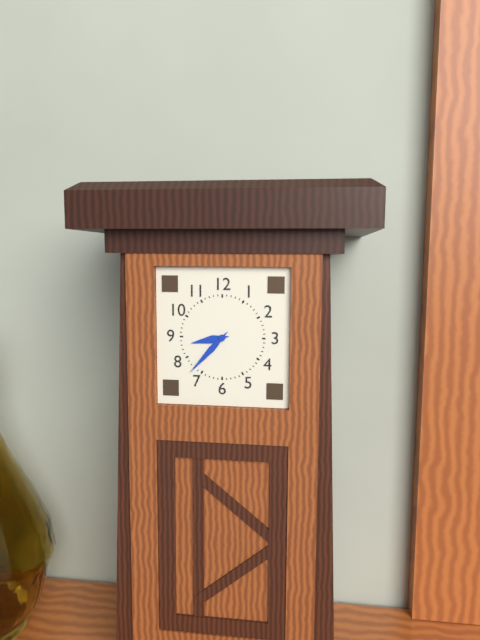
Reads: 8.37
